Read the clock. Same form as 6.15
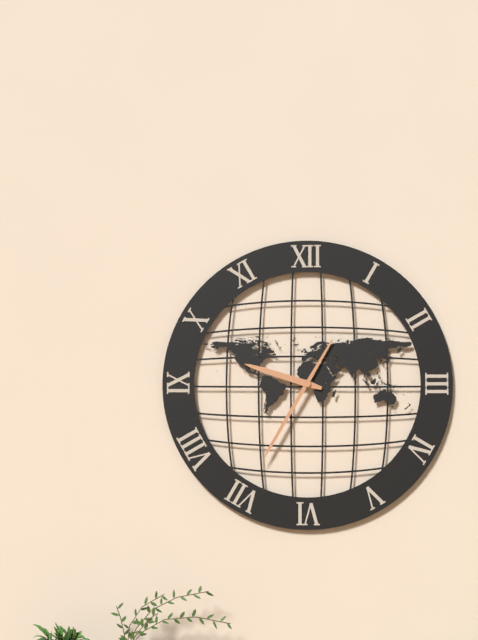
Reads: 9.35
